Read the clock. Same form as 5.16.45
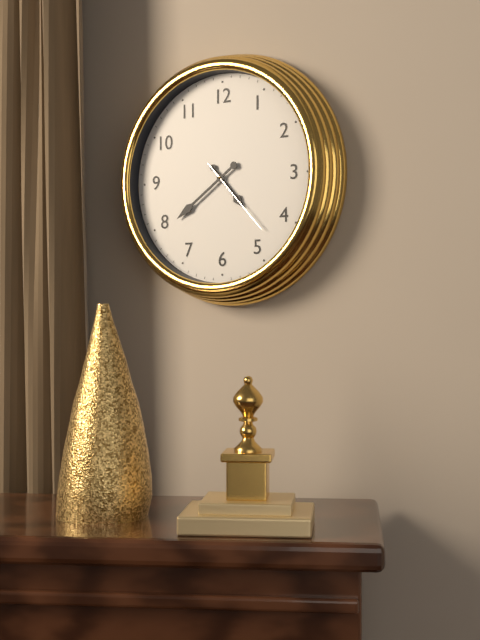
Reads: 4.39.23
